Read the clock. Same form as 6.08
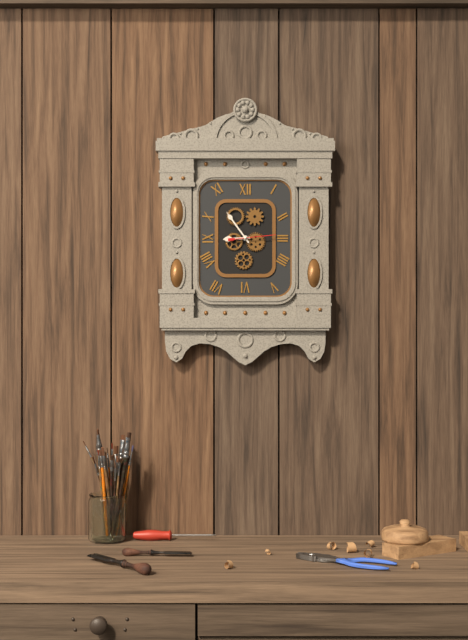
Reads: 8.54
